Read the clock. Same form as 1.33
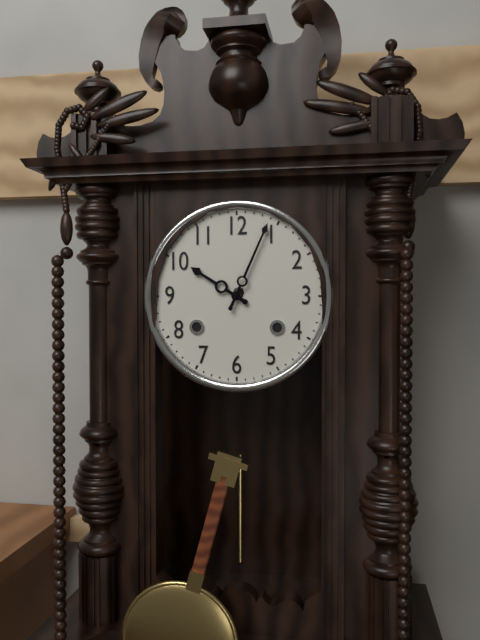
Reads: 10.04
